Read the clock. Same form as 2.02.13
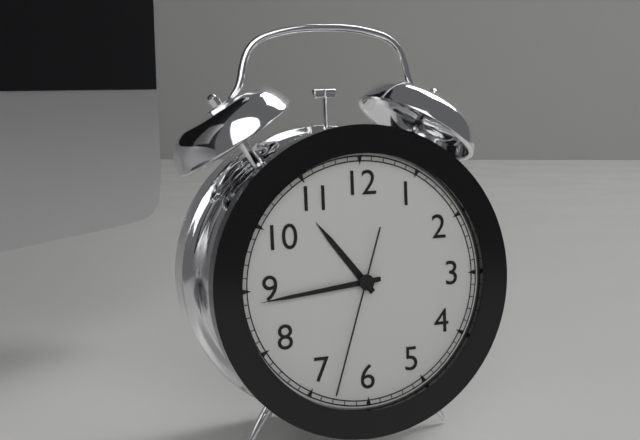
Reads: 10.44.33
